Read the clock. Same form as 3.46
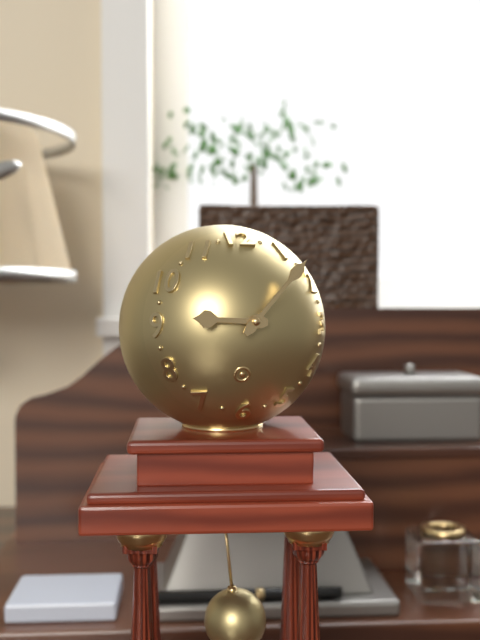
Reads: 9.07
